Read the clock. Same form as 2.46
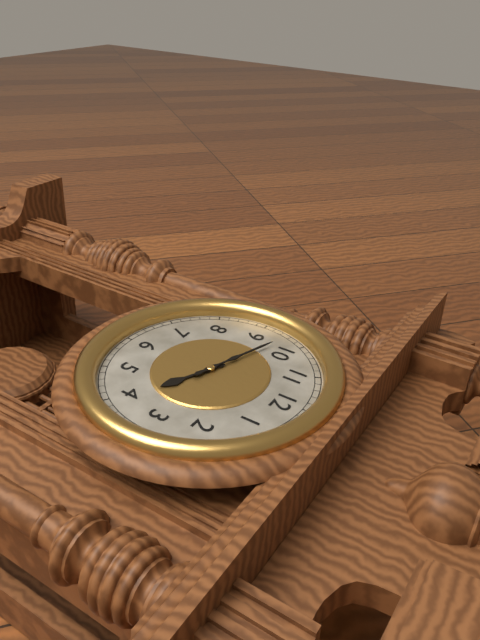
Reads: 3.48
